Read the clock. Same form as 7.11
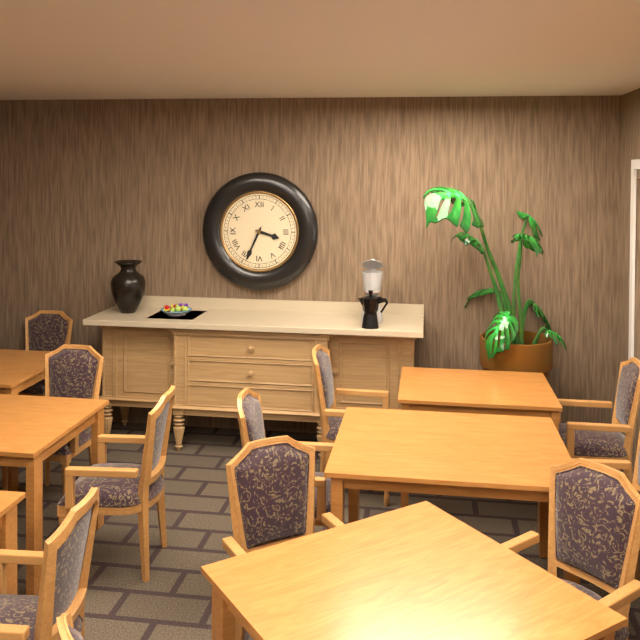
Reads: 3.34
